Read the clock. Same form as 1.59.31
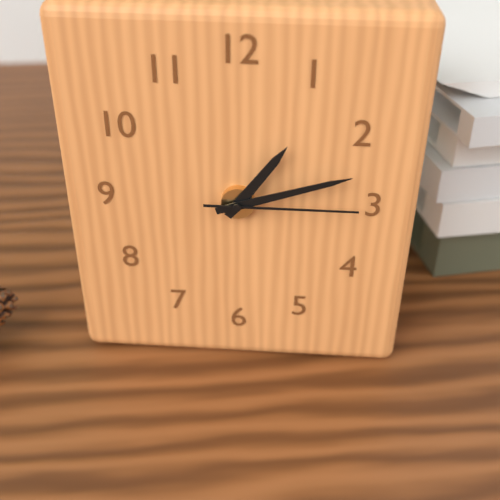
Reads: 1.12.15
